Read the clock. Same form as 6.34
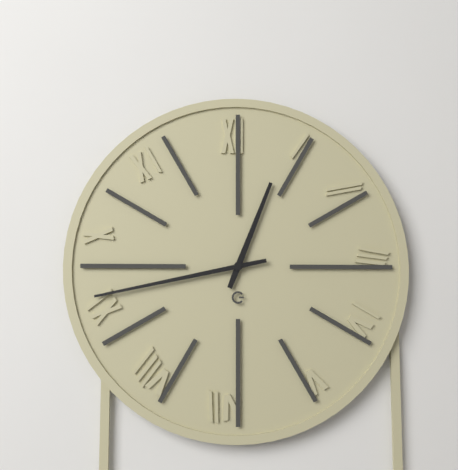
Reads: 12.43
